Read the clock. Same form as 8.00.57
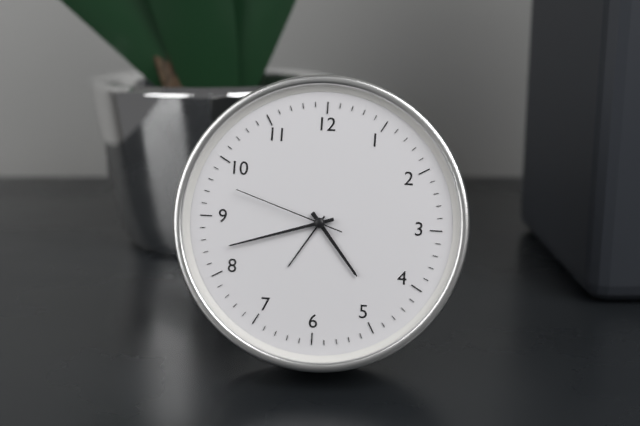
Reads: 4.42.48
